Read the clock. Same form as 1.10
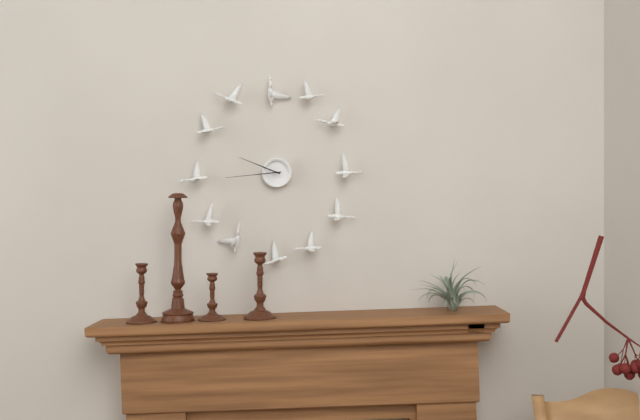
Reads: 9.44
